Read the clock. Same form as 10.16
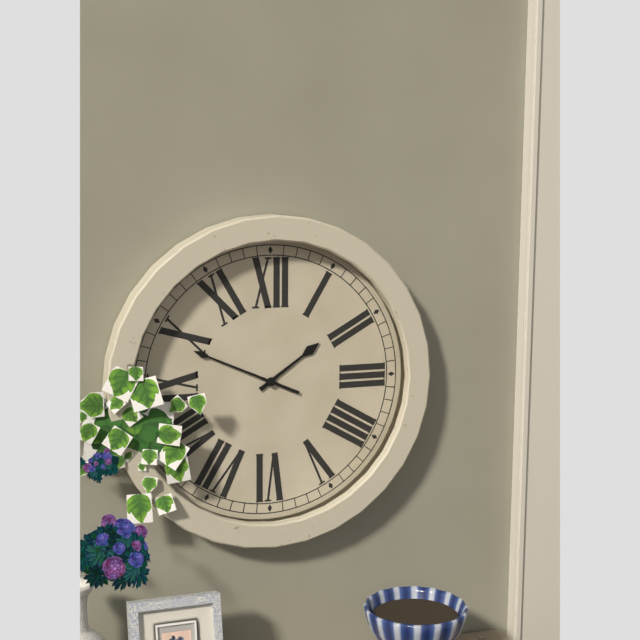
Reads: 1.49
